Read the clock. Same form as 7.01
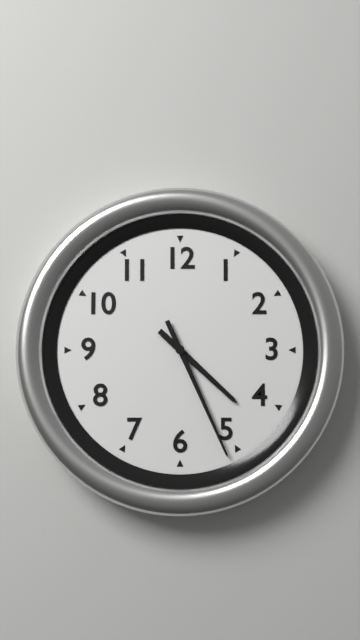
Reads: 4.26
